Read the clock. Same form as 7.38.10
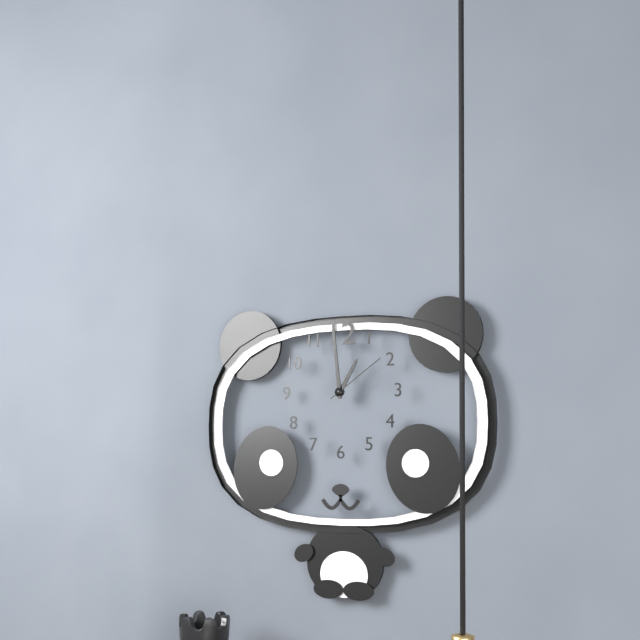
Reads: 12.59.09
